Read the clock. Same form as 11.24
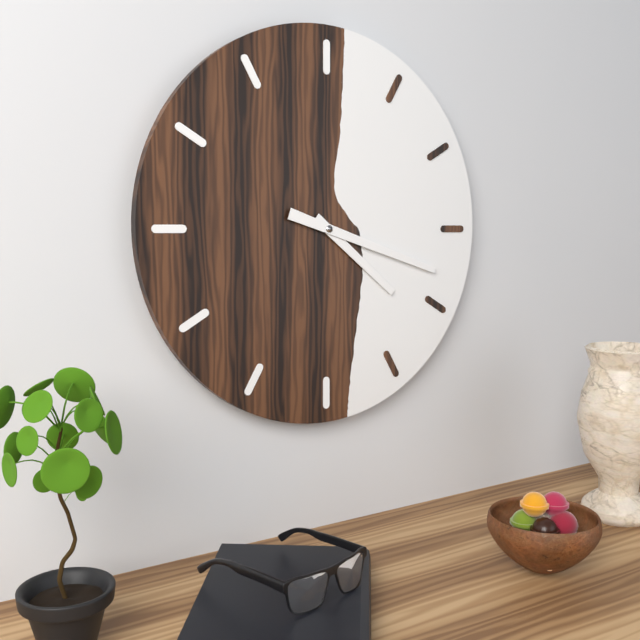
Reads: 4.18
